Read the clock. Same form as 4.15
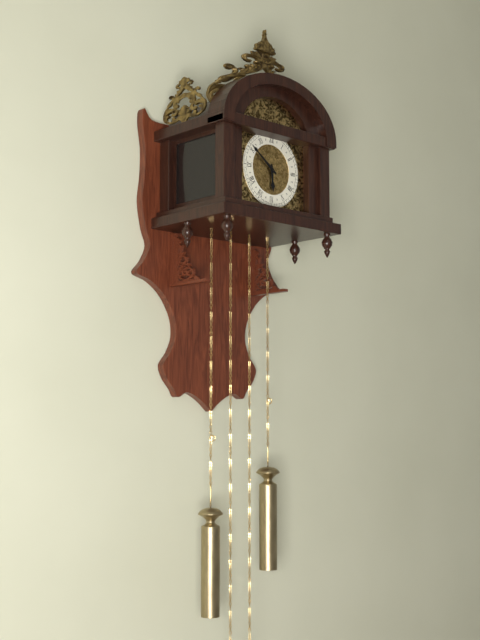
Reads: 5.51
